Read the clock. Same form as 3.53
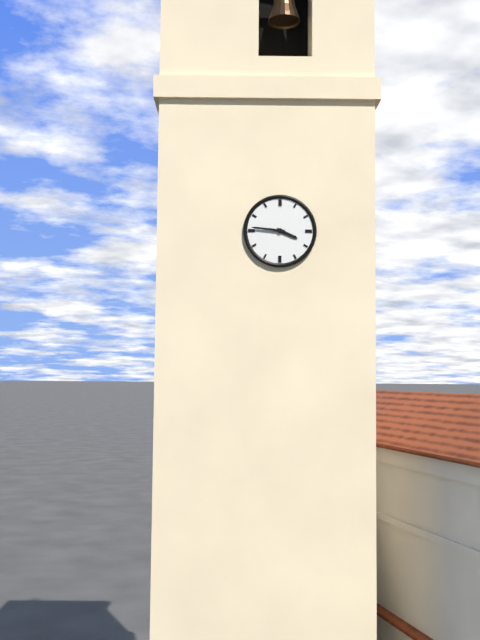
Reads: 3.46
